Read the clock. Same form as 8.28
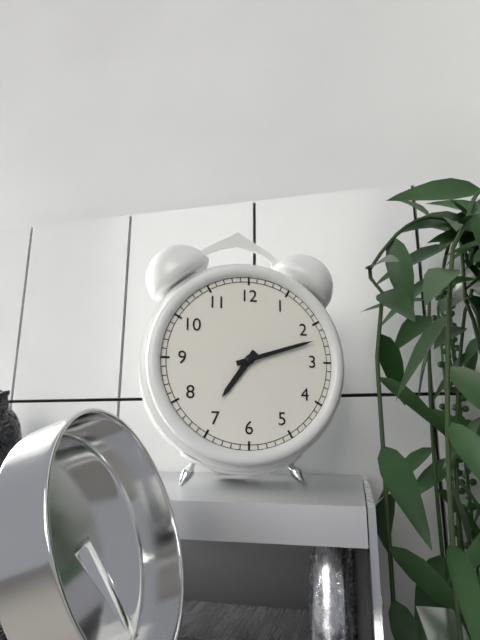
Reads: 7.12
